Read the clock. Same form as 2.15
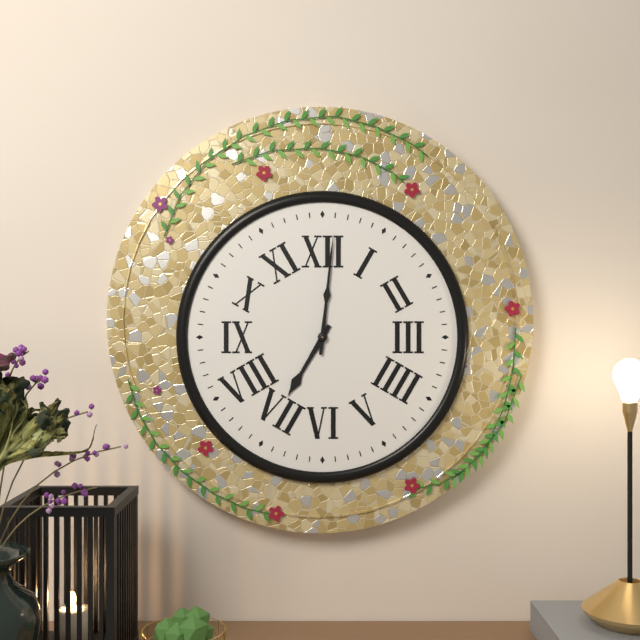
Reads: 7.01
